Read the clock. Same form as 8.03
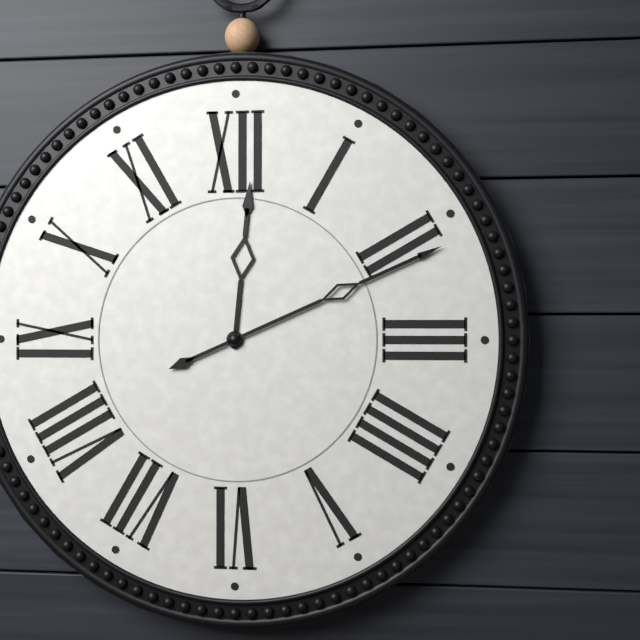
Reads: 12.11
